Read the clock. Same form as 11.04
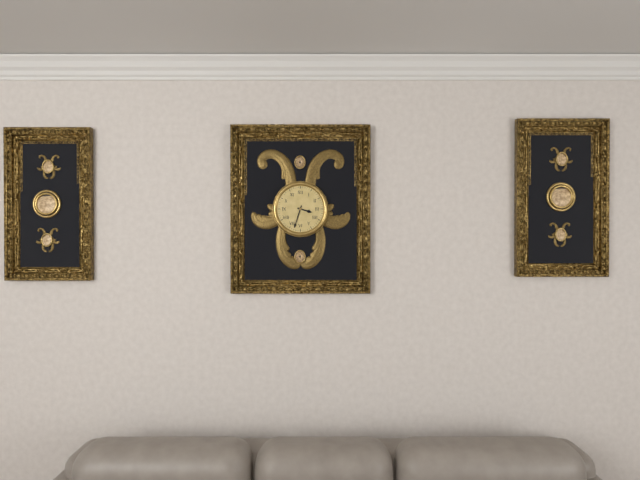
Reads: 3.33
